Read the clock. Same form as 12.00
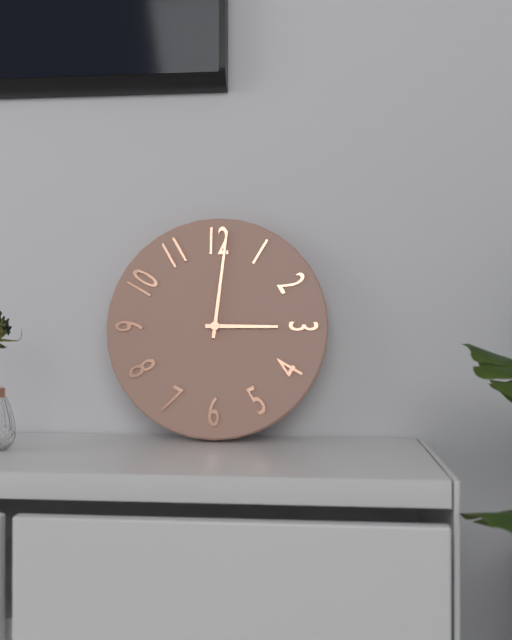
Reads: 3.01
